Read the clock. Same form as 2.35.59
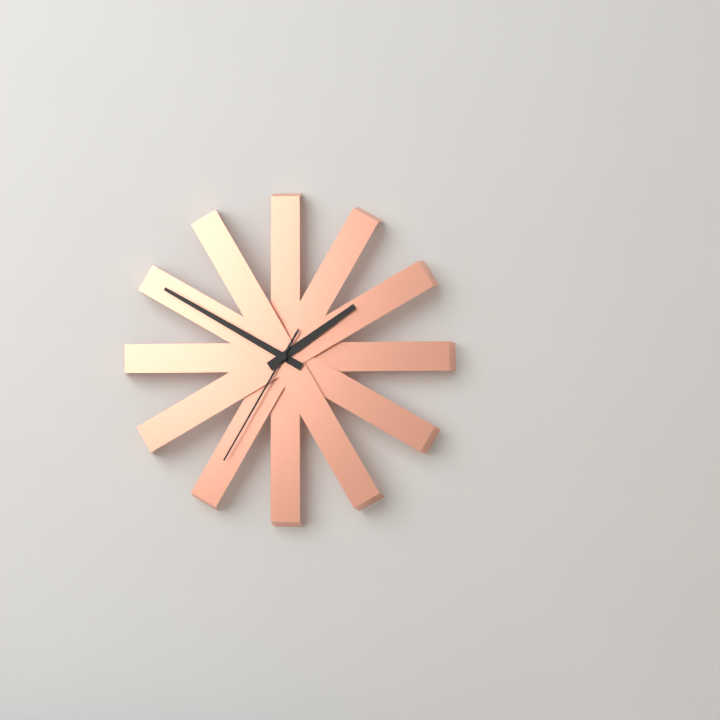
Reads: 1.50.35
